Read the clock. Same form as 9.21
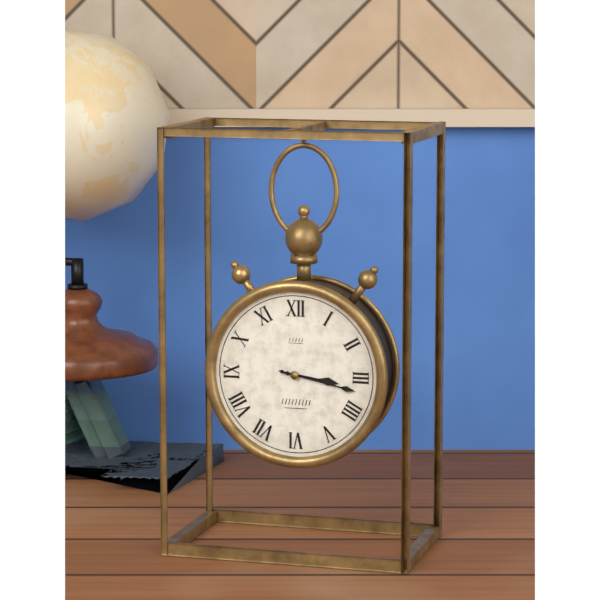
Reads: 3.17
